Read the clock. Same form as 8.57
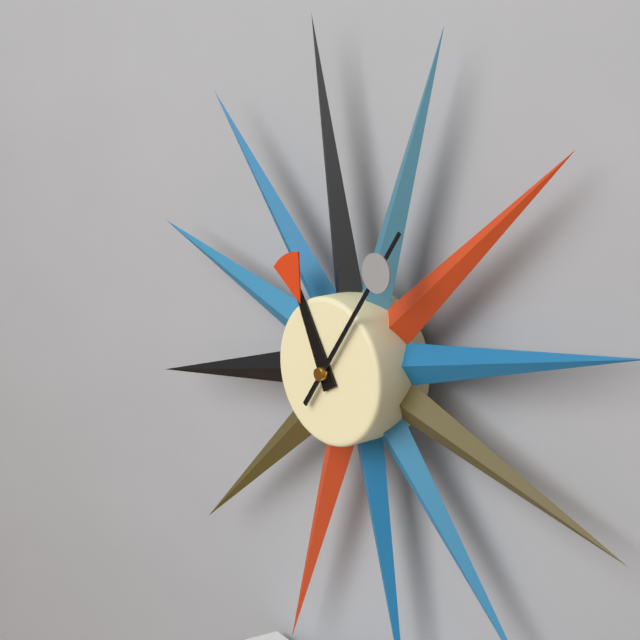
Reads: 11.06
